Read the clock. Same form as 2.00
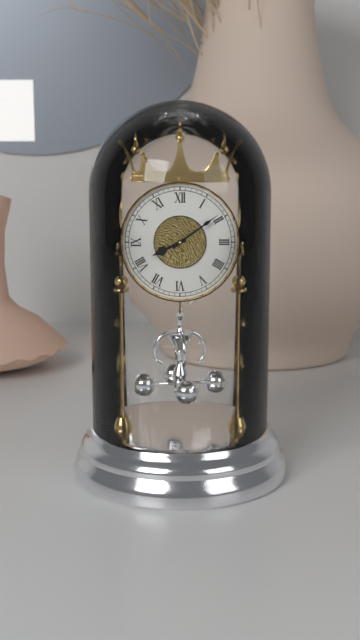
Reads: 8.09
